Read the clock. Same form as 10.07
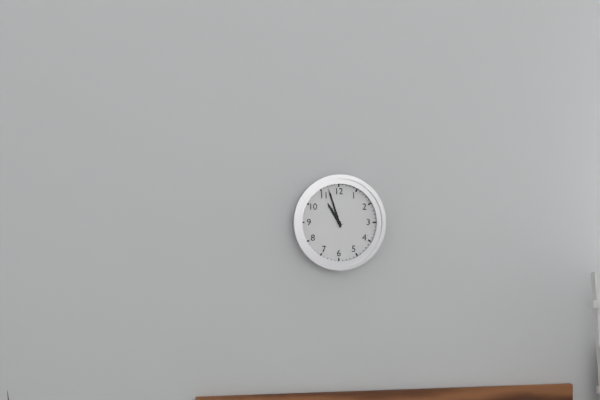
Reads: 10.57
